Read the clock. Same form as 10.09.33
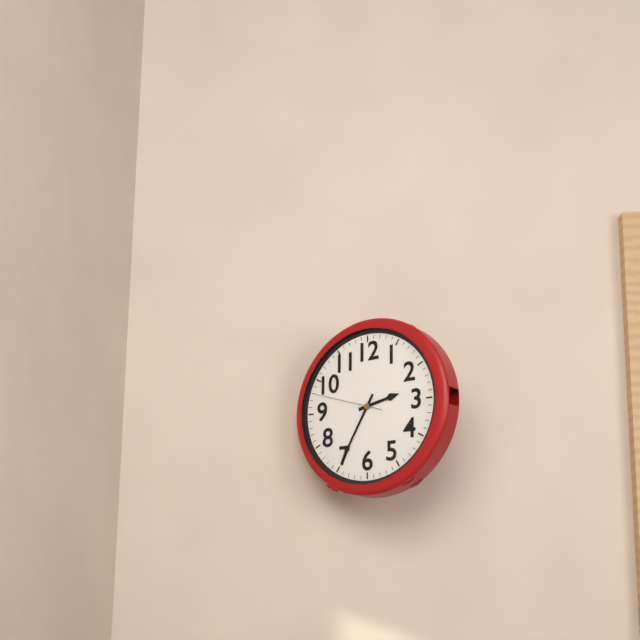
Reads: 2.35.48
